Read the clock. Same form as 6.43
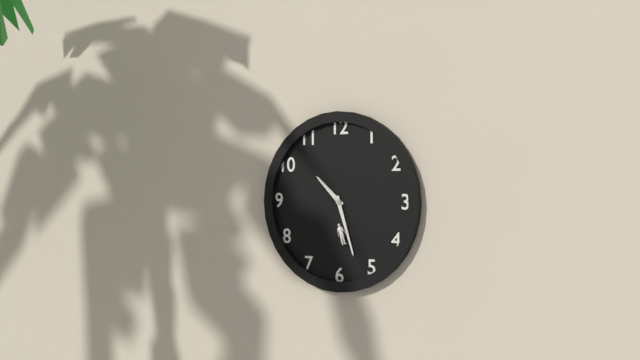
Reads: 10.27
